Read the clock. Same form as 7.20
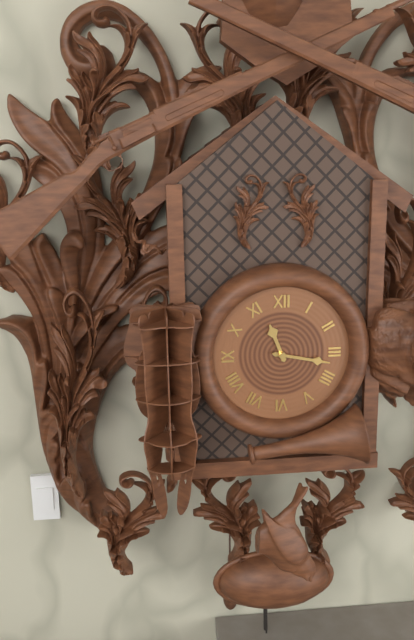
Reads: 11.17
